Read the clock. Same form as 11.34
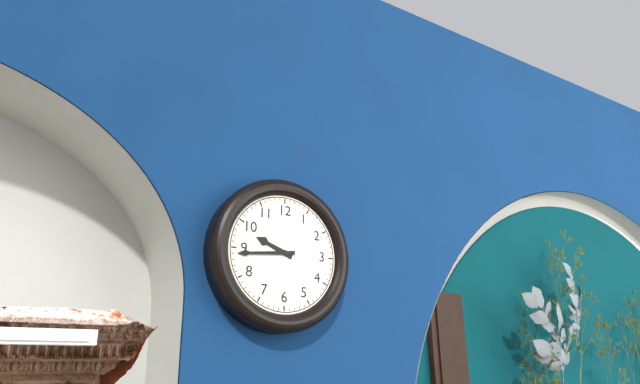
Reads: 9.44
